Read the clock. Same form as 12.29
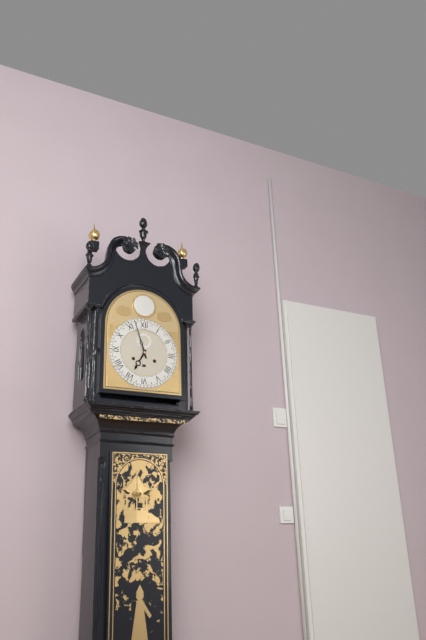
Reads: 6.57
